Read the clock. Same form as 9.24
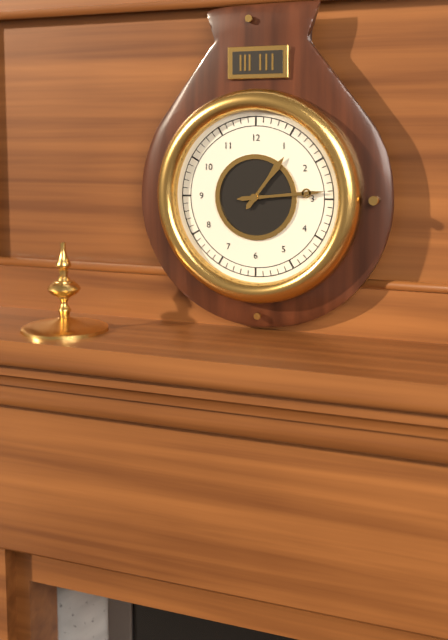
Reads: 1.14
